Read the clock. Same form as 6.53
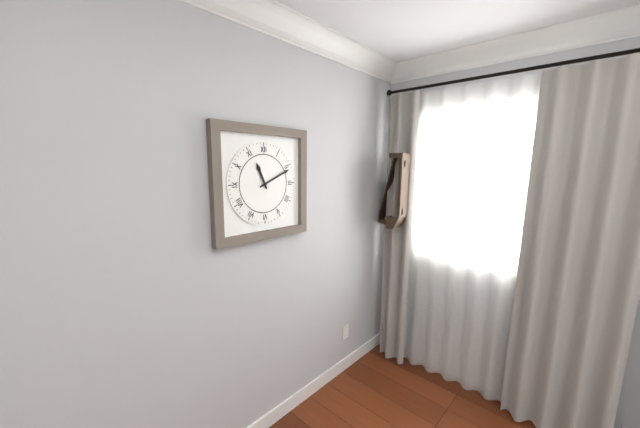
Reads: 11.11
